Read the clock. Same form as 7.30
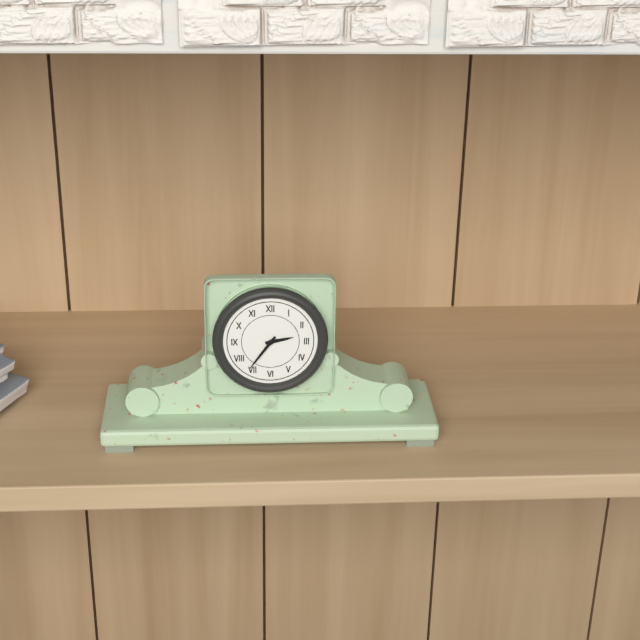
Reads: 2.36
